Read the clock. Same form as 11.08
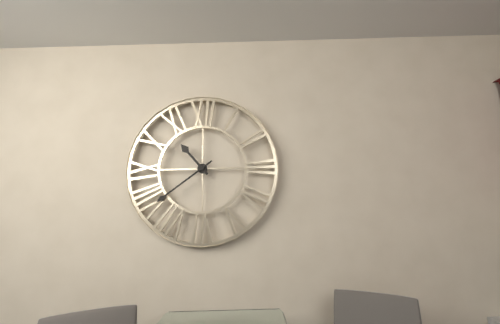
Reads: 10.39
